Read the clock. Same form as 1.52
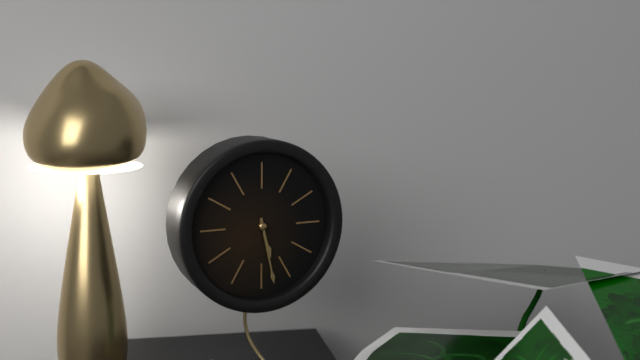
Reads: 5.28
